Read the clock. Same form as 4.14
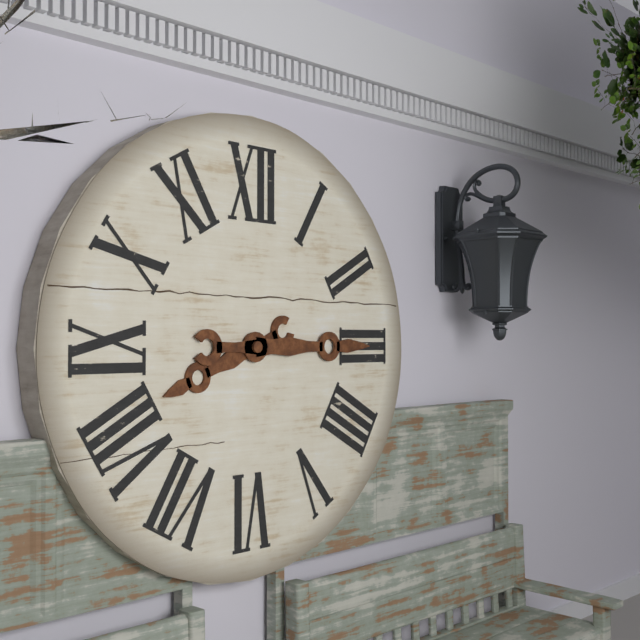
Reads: 8.15
